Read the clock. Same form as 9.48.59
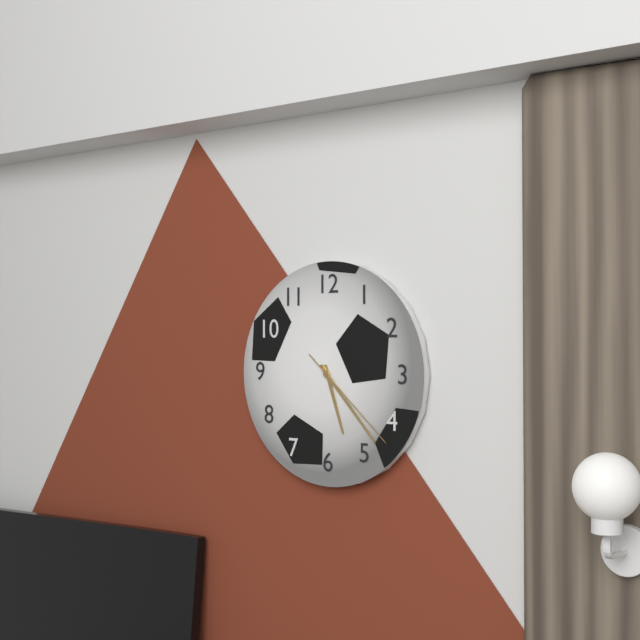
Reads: 5.23.22
